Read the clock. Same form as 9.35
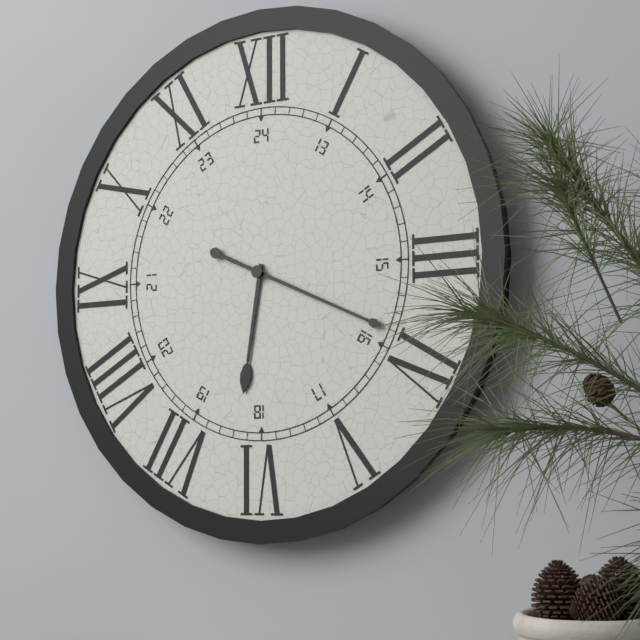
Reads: 6.19
